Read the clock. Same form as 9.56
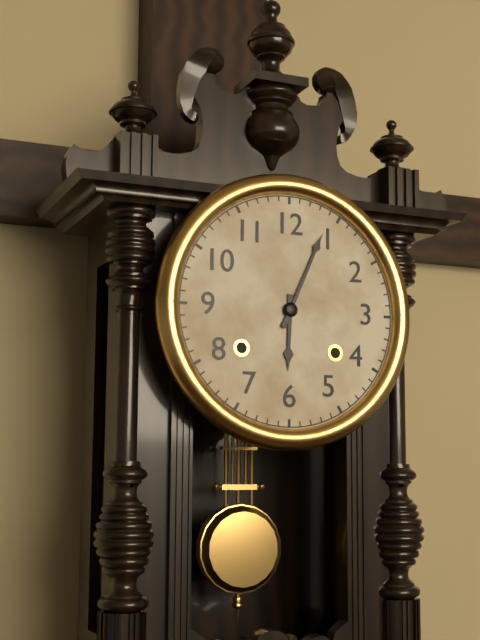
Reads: 6.04
